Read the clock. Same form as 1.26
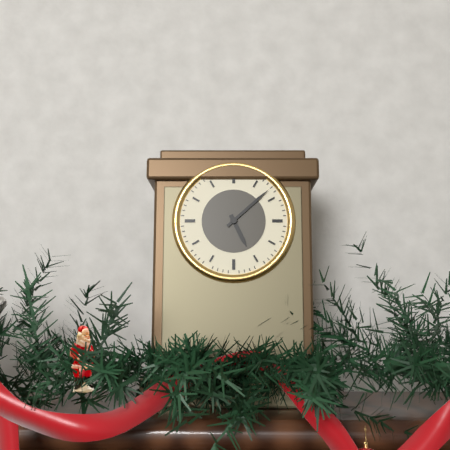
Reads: 5.08
